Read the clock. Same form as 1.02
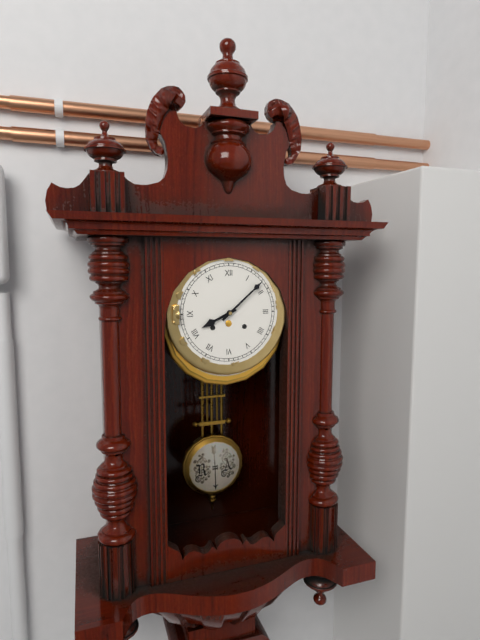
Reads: 8.08
